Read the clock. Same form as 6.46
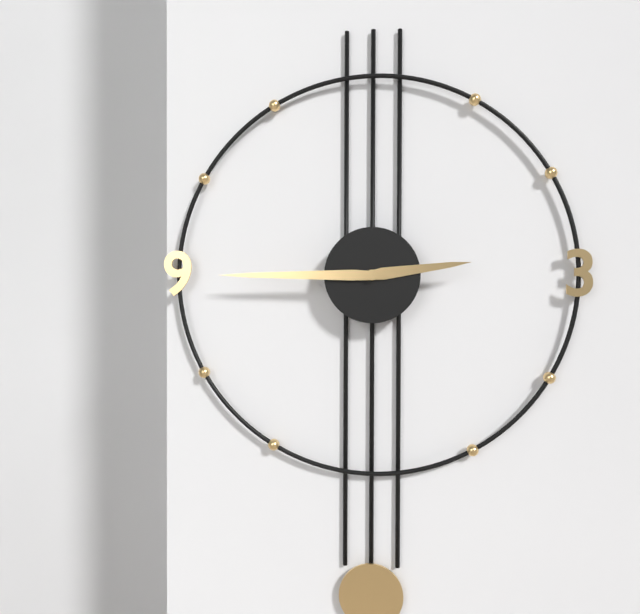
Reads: 2.45
